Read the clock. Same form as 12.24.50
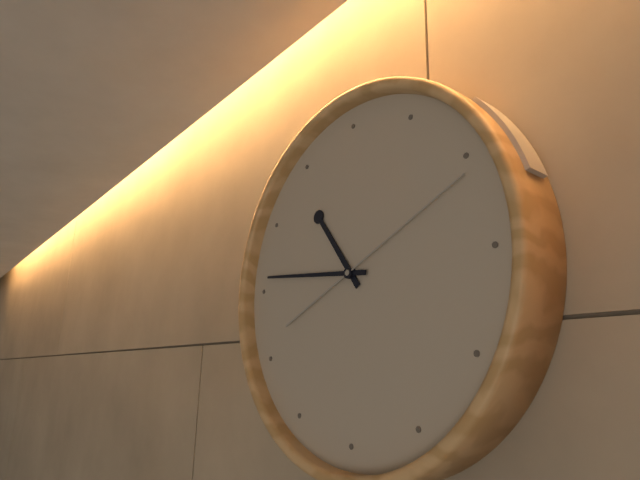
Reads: 10.46.11
